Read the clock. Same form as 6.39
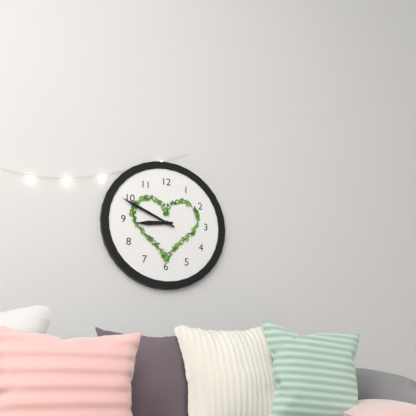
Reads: 8.49
